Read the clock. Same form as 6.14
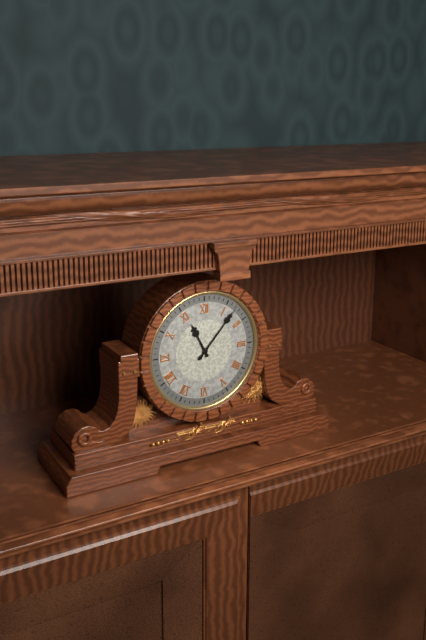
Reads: 11.07
